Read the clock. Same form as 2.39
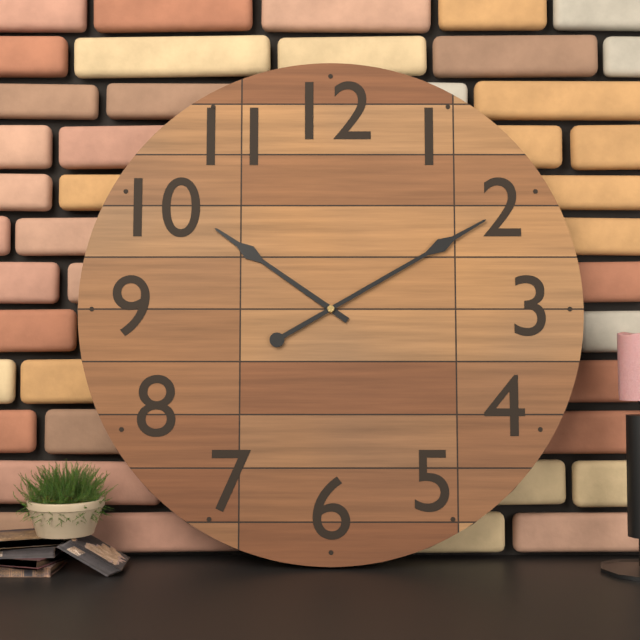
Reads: 10.10
